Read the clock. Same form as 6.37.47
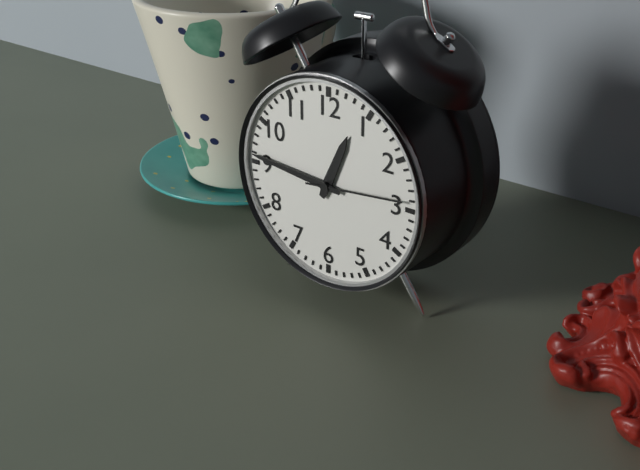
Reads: 12.46.14
